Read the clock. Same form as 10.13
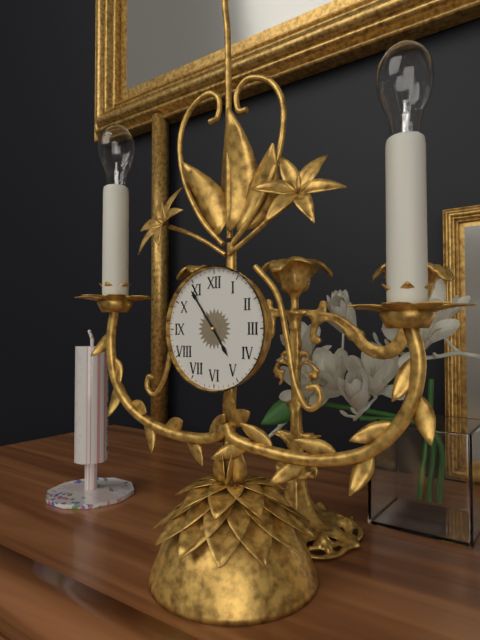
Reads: 4.54
